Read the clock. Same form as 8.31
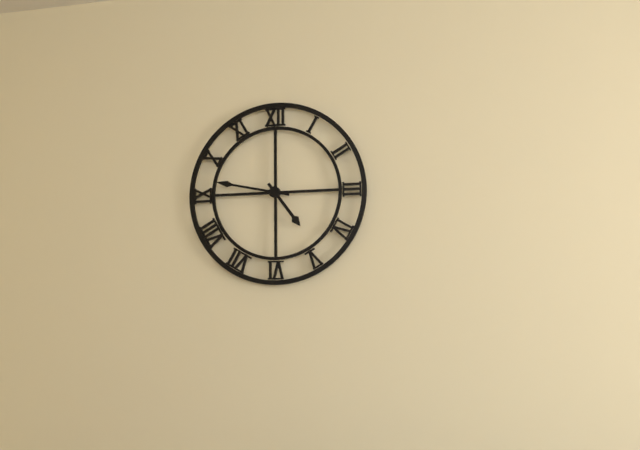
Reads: 4.47
